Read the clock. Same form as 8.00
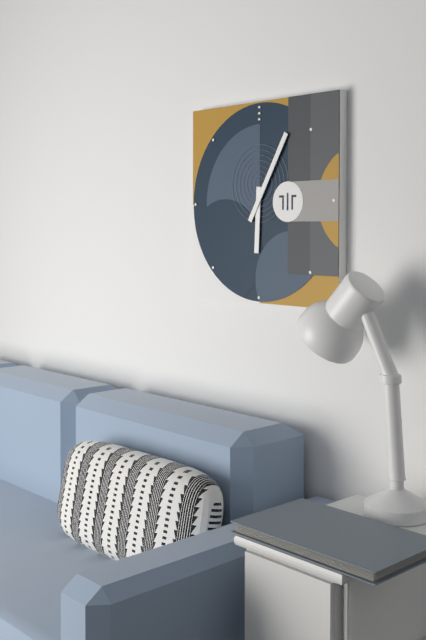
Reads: 6.05
